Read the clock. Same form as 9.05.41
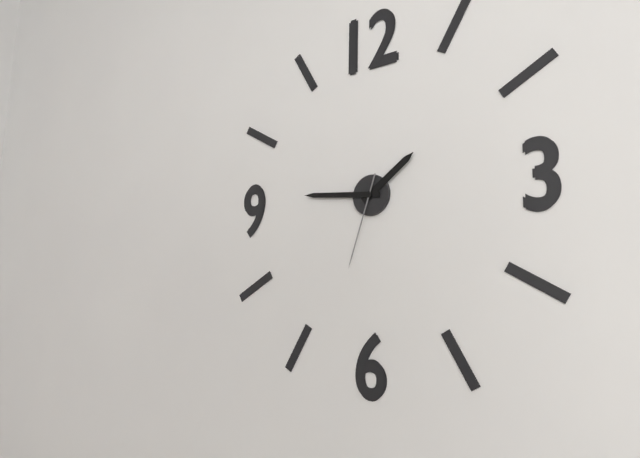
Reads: 1.46.33
